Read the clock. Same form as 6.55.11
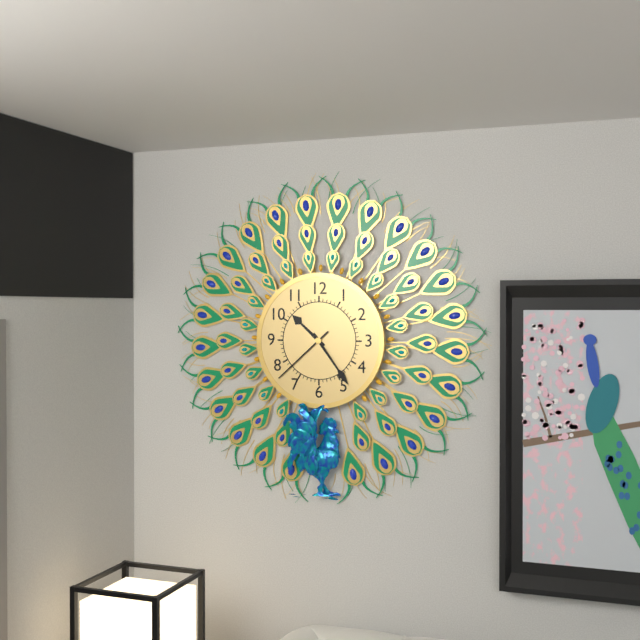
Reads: 10.24.38
